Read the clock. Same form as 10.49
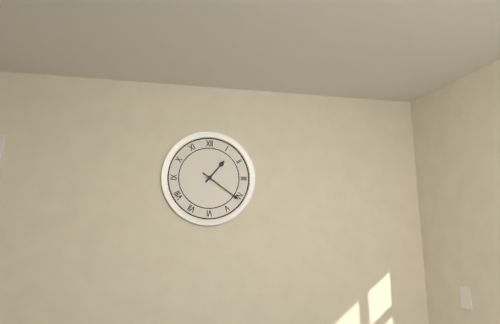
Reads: 1.21
